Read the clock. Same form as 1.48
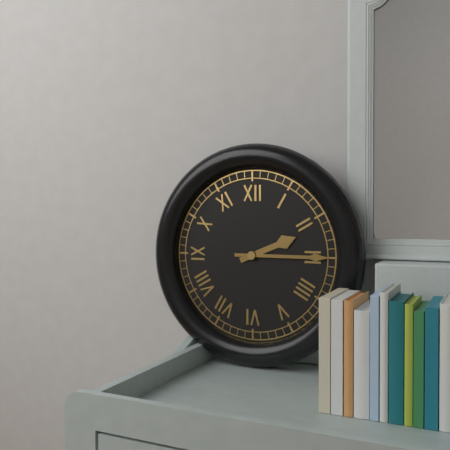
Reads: 2.15
